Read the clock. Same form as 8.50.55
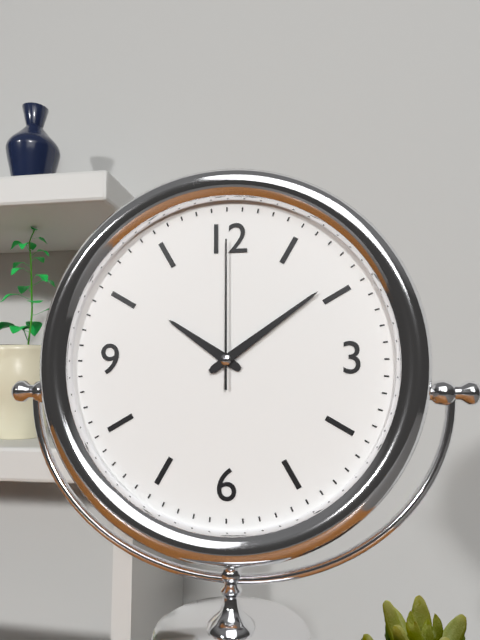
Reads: 10.09.00
